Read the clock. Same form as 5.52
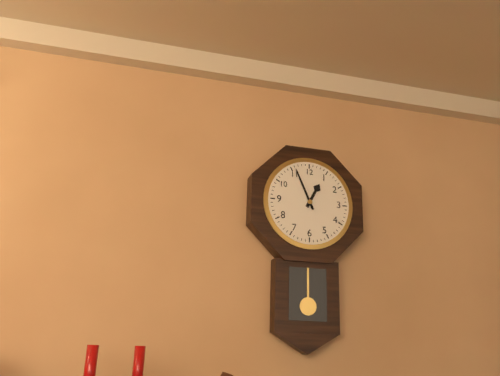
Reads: 12.56
